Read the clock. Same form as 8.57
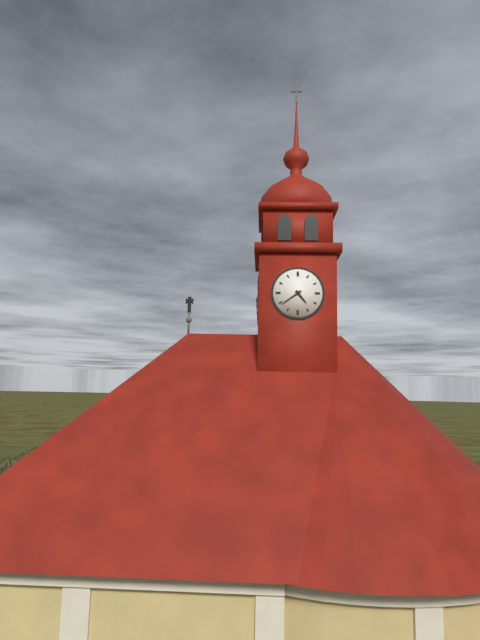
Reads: 4.39
